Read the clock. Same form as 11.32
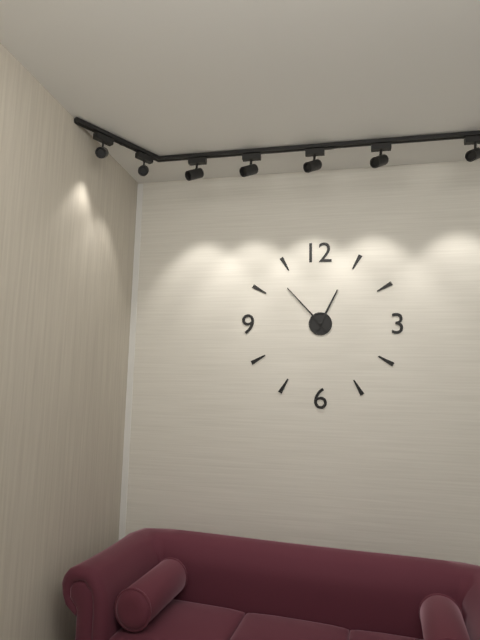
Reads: 12.53
